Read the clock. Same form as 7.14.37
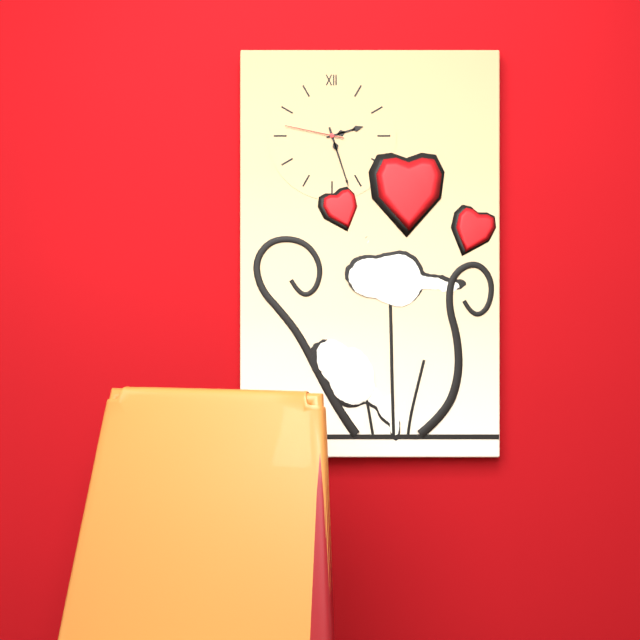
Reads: 2.27.47
